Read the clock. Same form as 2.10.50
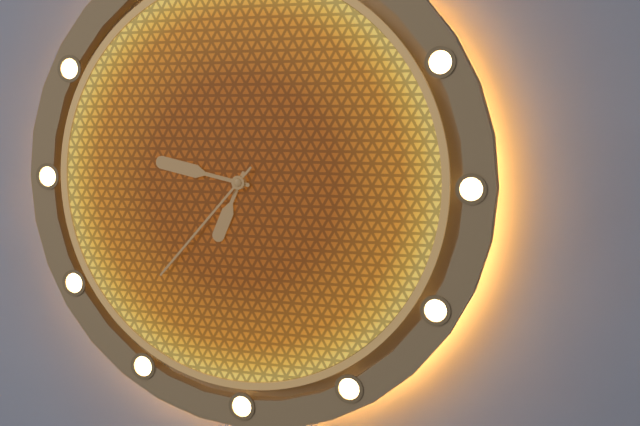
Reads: 6.47.37
